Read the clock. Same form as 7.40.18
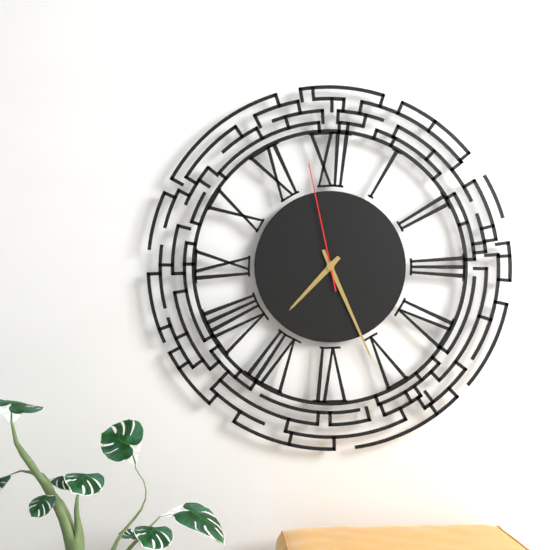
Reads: 7.26.58
